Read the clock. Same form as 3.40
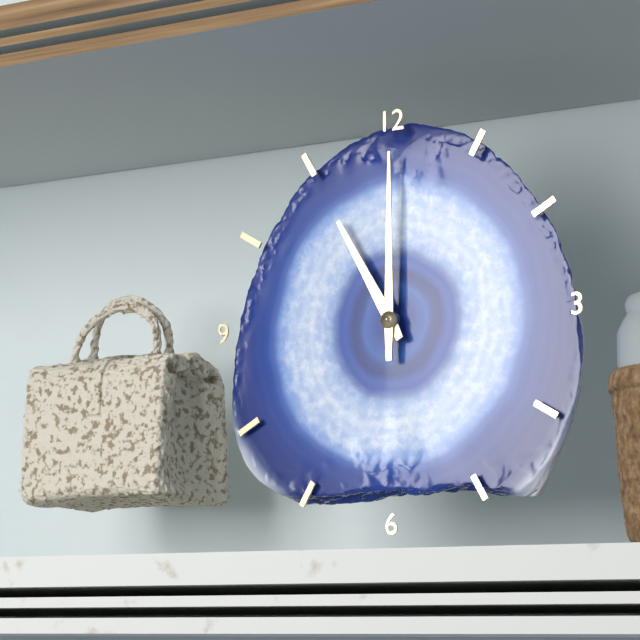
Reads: 11.00
